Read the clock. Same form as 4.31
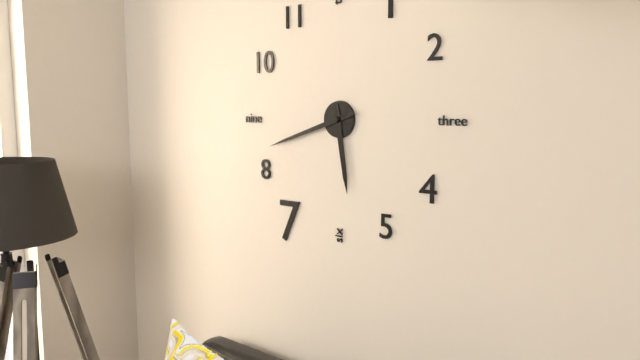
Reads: 5.42
